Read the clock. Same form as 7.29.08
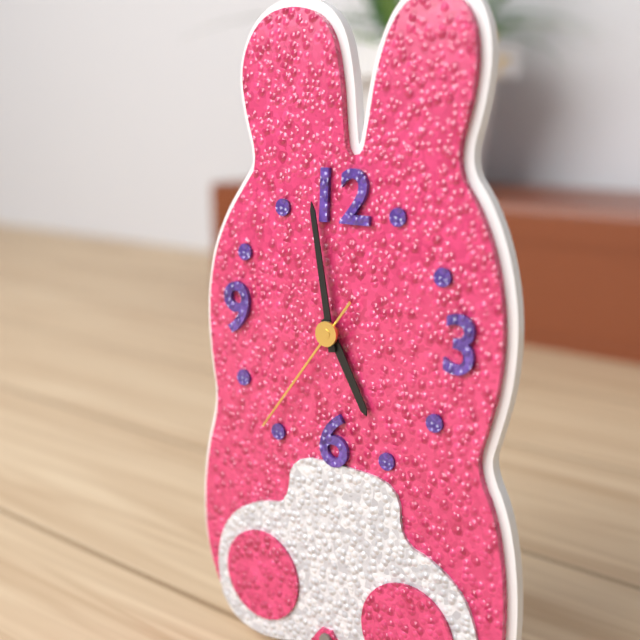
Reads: 4.58.36
